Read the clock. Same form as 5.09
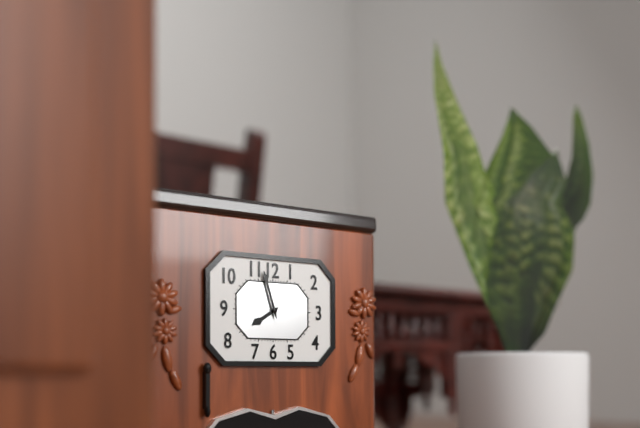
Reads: 7.57
